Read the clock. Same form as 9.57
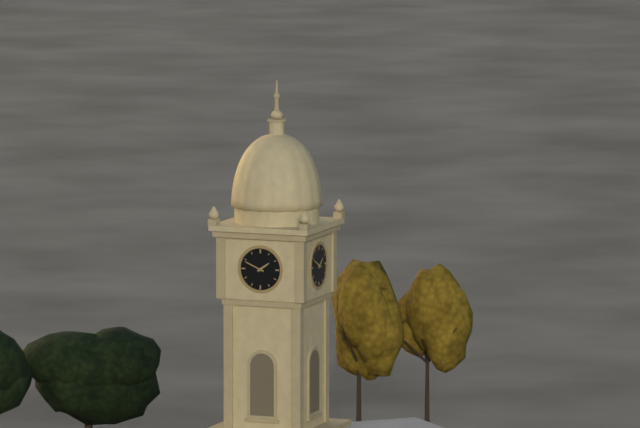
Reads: 1.49
